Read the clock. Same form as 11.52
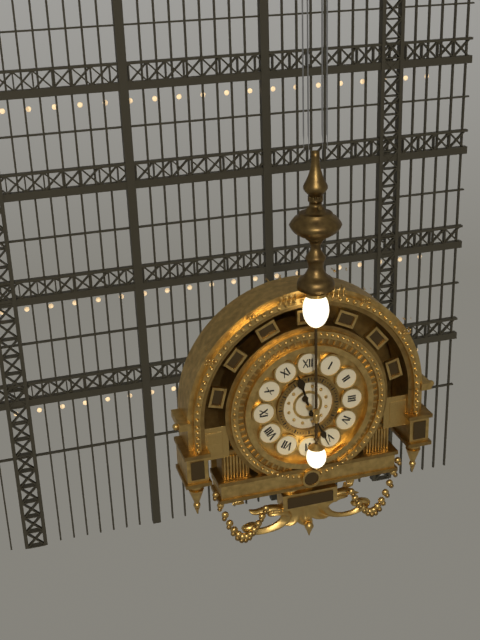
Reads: 11.26
